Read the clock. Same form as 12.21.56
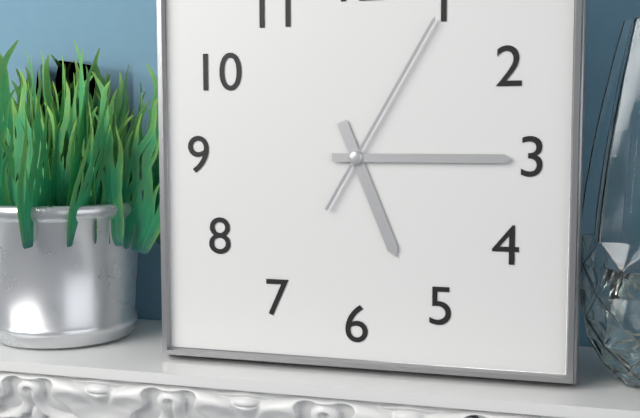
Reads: 5.15.05
